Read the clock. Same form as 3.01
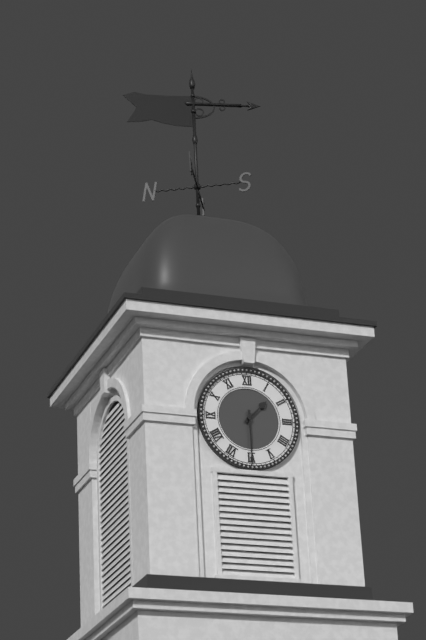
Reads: 1.30
